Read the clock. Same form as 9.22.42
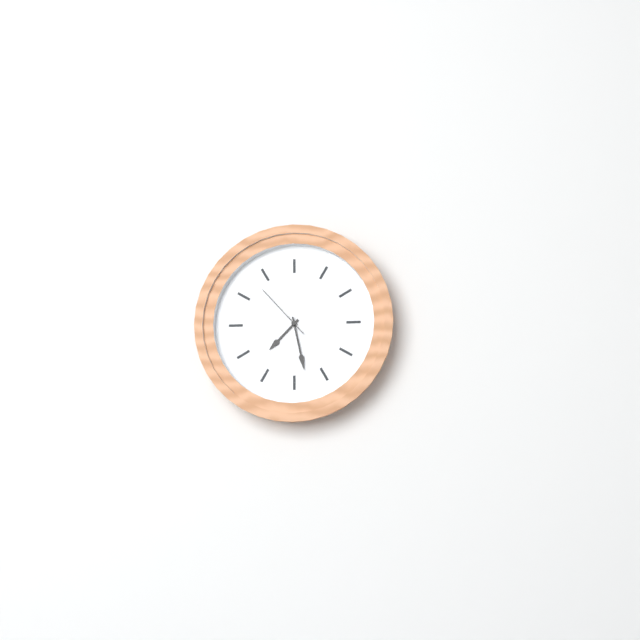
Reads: 7.28.53
